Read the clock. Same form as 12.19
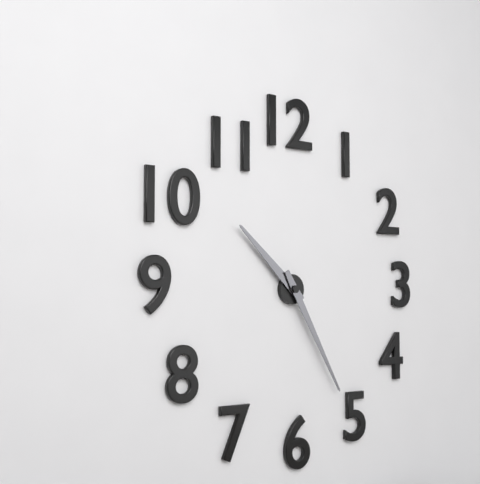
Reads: 10.25
